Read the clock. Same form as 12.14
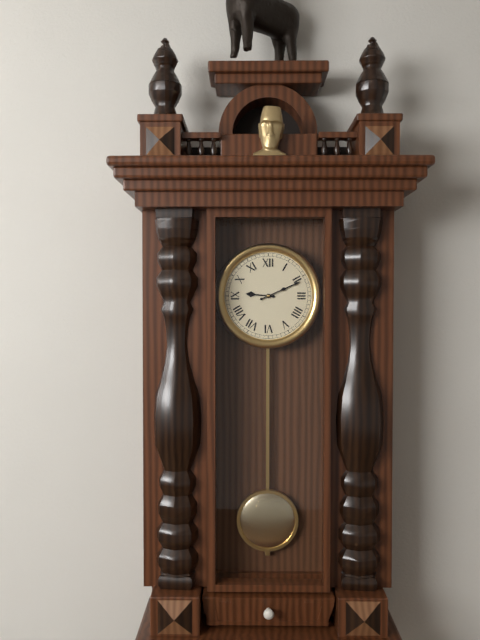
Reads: 9.11
